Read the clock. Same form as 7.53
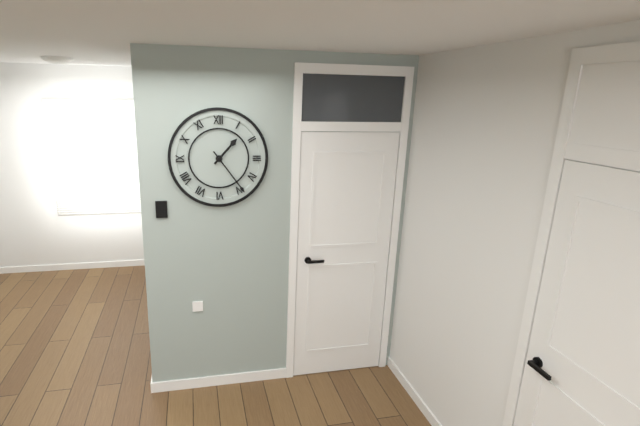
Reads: 1.24
